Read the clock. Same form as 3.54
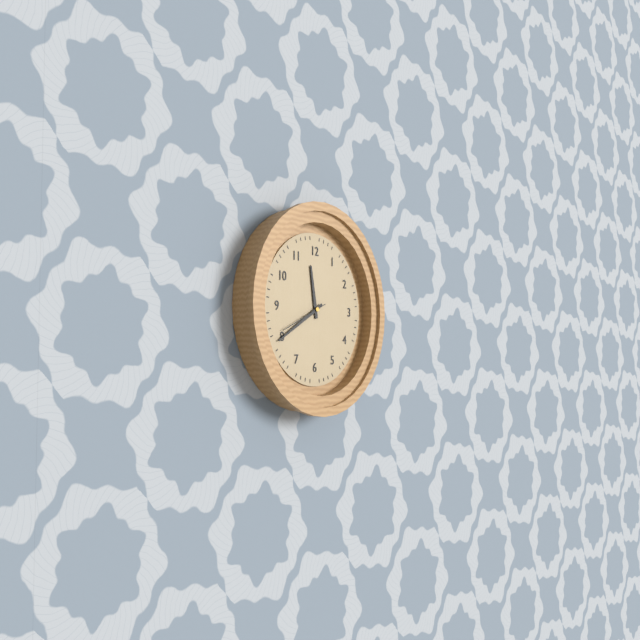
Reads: 11.40
